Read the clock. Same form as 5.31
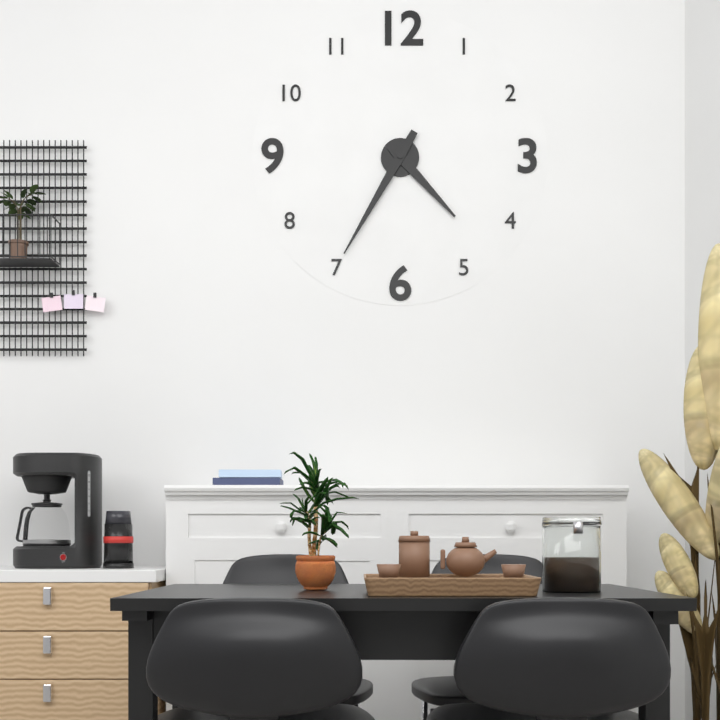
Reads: 4.35
